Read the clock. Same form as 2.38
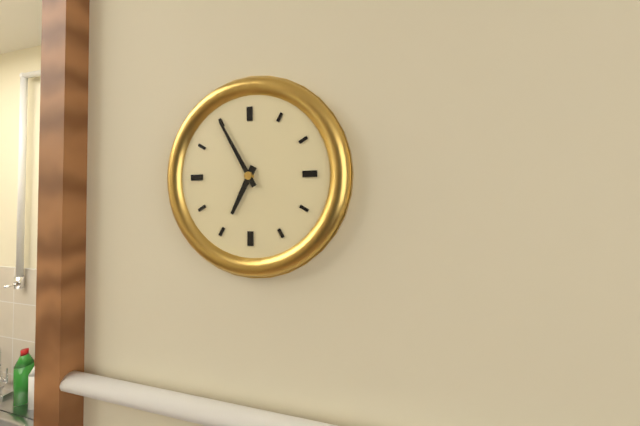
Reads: 6.55
